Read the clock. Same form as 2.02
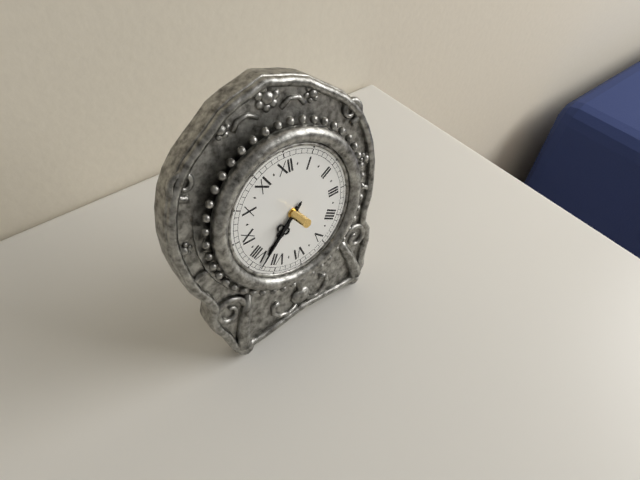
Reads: 7.38
